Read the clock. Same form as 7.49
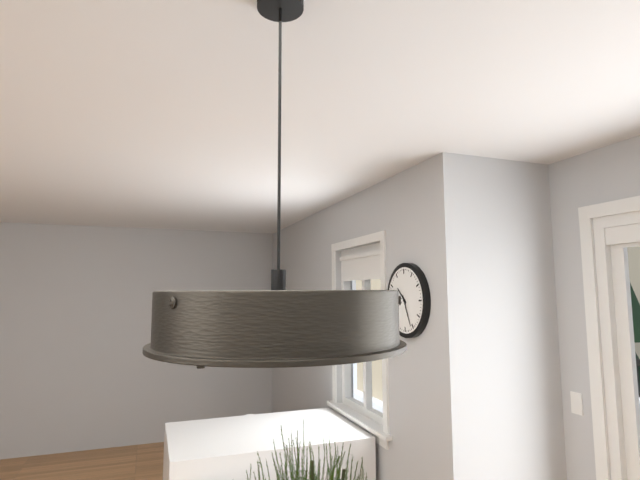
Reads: 10.26
